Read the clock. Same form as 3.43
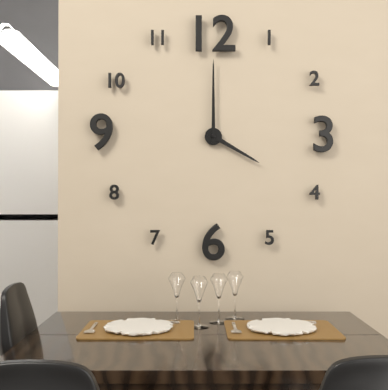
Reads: 4.00
